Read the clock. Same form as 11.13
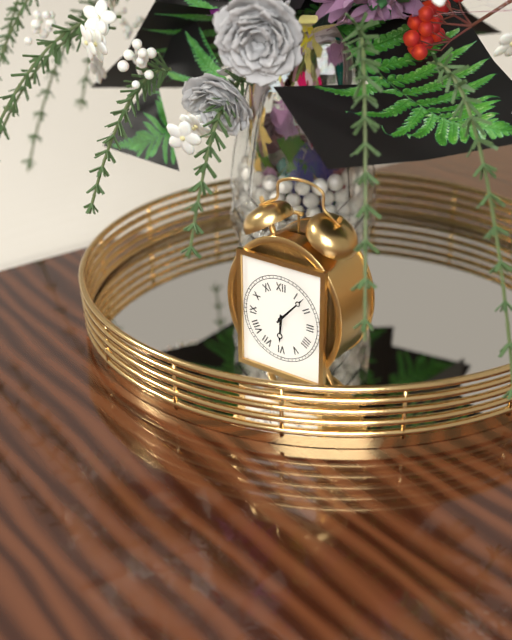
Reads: 6.07
